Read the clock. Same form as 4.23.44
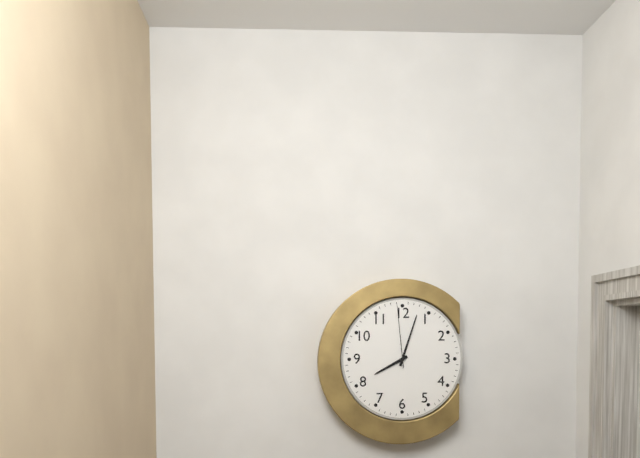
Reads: 8.03.59
